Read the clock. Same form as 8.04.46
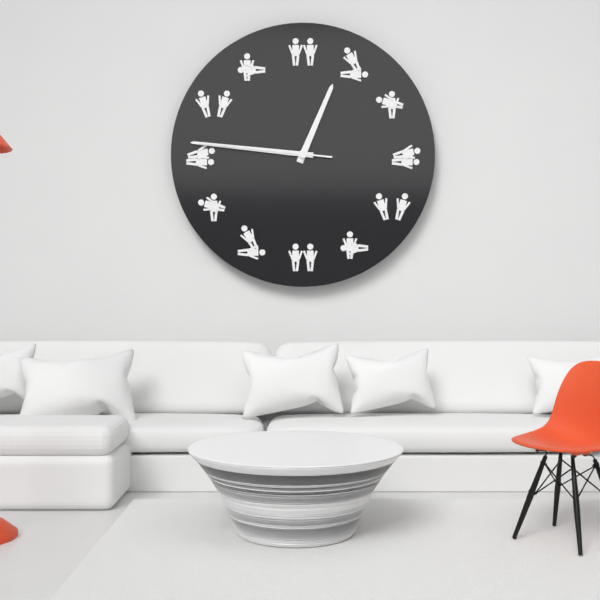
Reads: 12.46.46
